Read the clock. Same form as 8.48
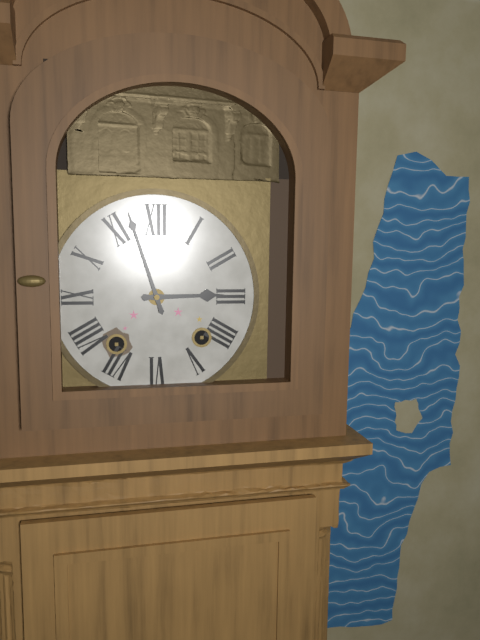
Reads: 2.57
